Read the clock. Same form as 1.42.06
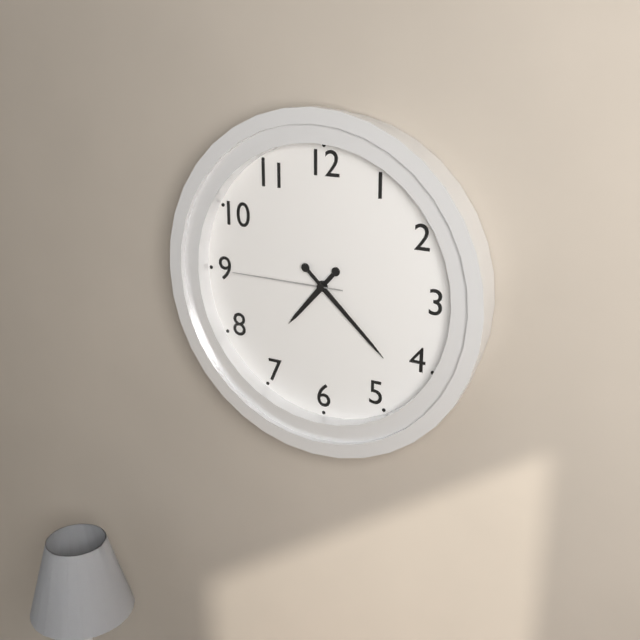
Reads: 7.22.45
